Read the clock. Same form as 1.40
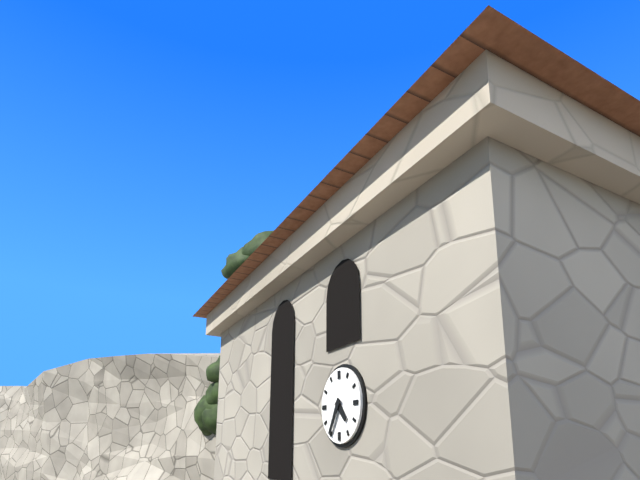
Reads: 4.35
